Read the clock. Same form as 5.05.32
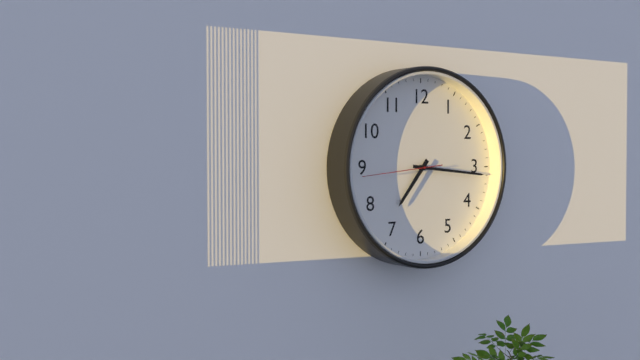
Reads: 7.16.44
